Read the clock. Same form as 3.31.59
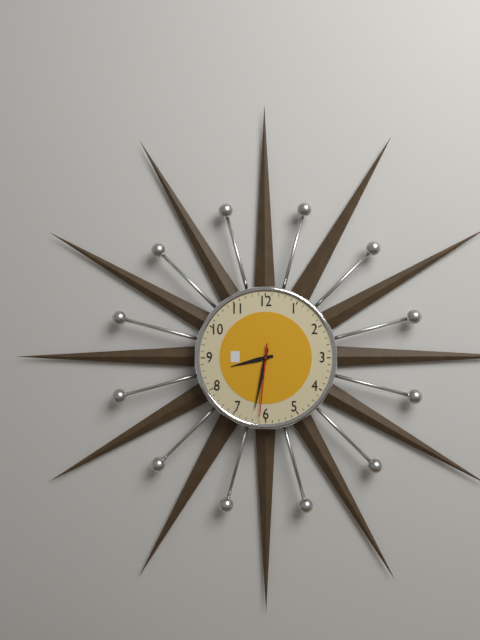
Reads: 8.32.31
